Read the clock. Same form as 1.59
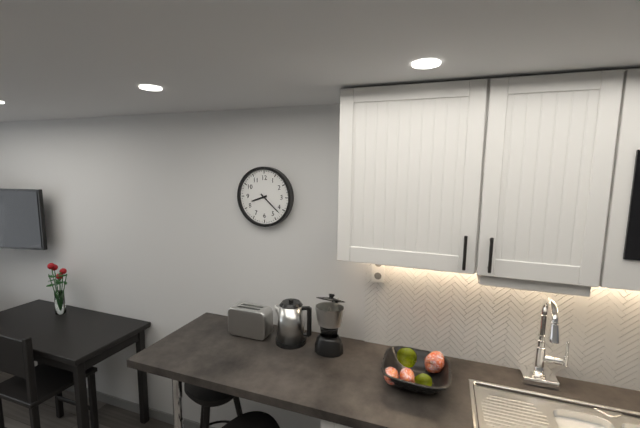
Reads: 8.22
